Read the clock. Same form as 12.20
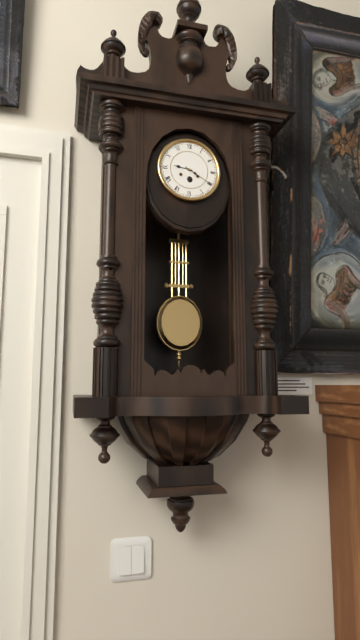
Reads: 9.20
